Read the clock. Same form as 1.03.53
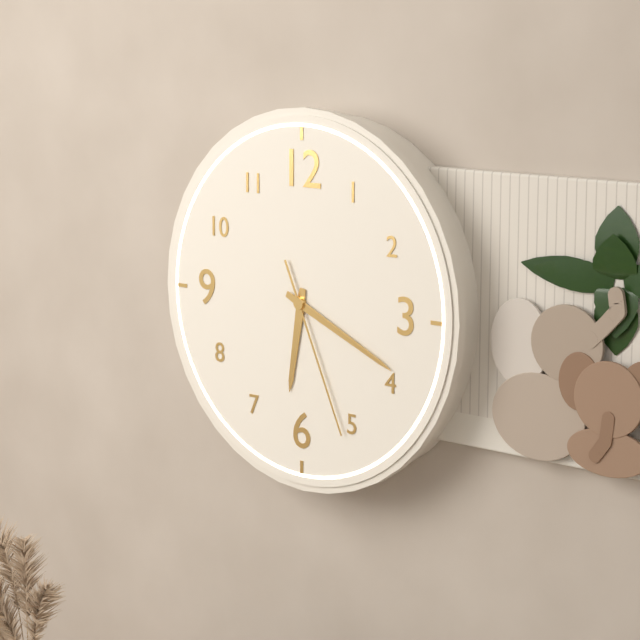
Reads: 6.19.26
